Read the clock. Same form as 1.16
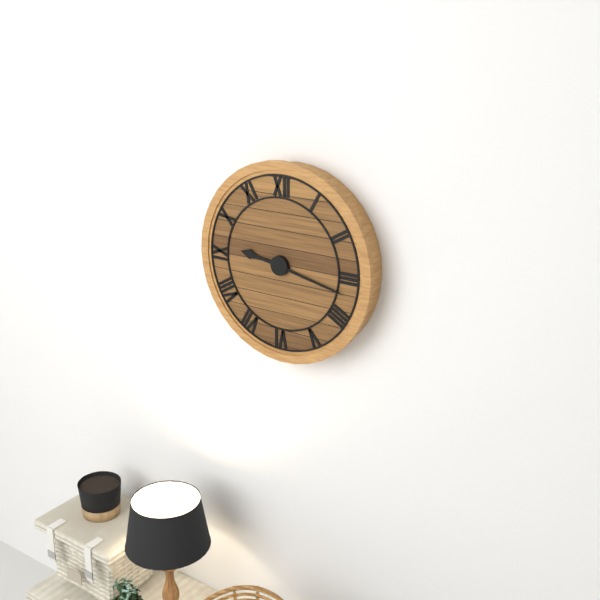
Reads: 9.17
